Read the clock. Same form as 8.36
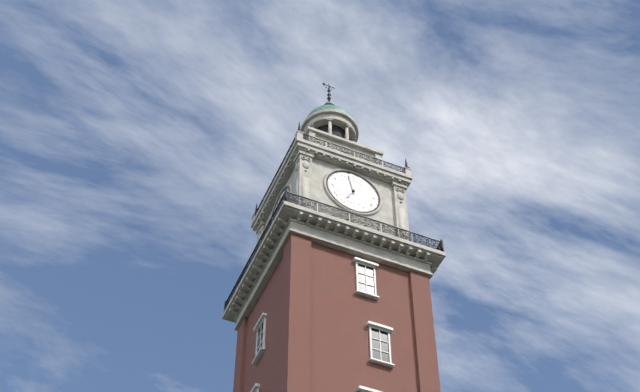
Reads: 6.58
